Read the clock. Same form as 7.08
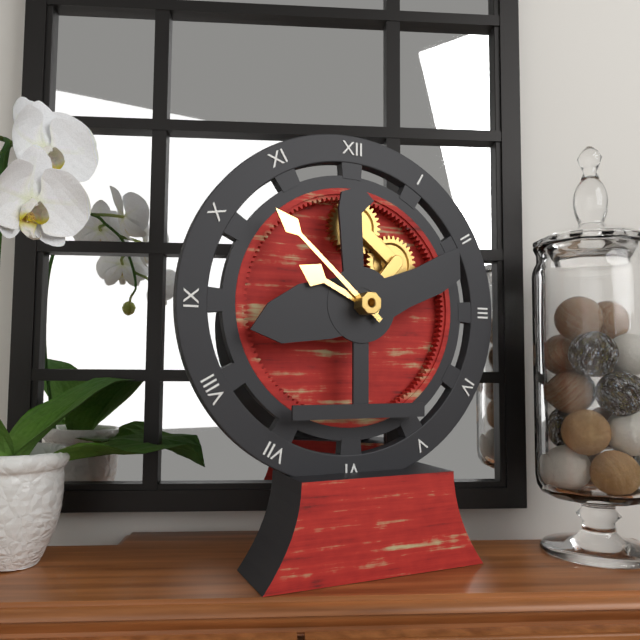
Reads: 9.52
